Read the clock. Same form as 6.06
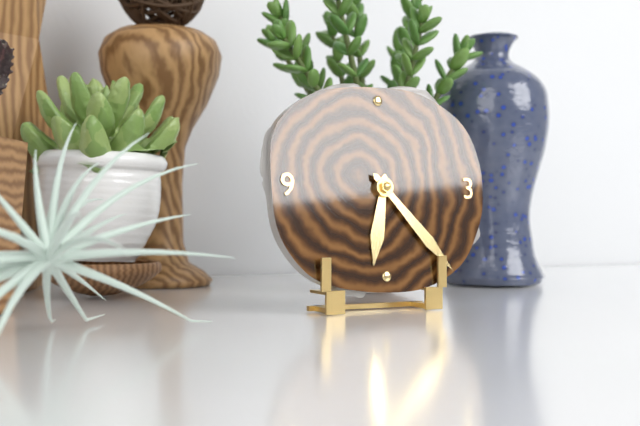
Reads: 6.23
